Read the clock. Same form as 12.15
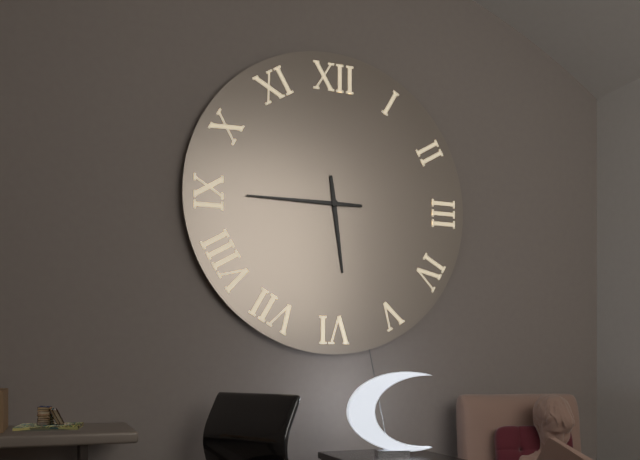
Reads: 5.45
